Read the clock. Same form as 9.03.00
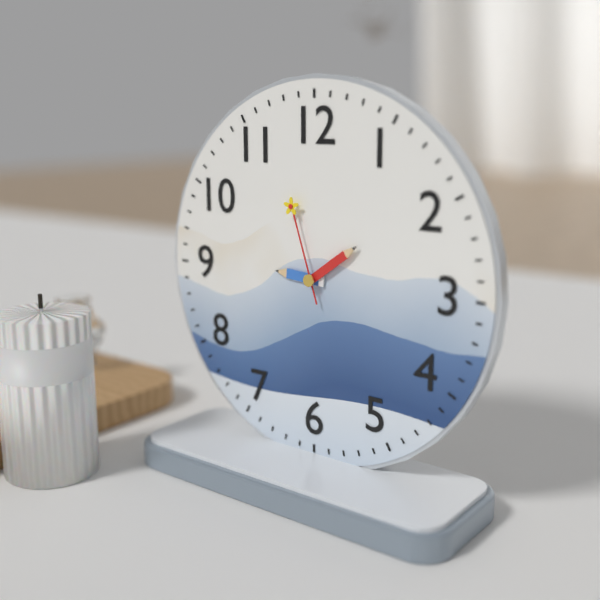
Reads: 9.09.57
